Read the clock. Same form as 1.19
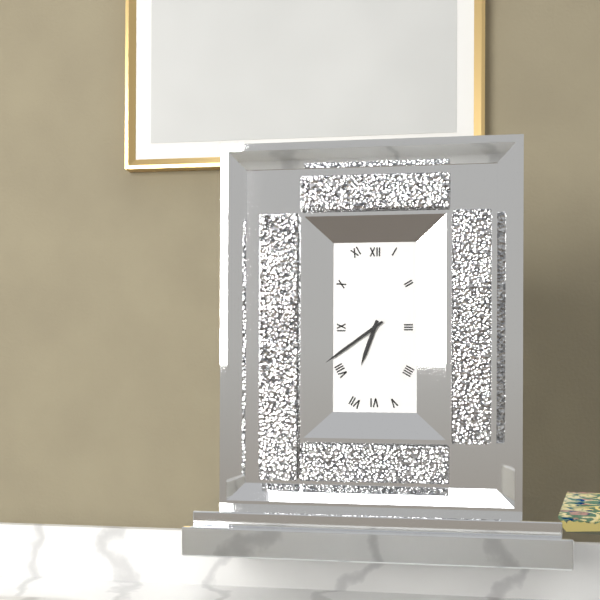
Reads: 6.39
